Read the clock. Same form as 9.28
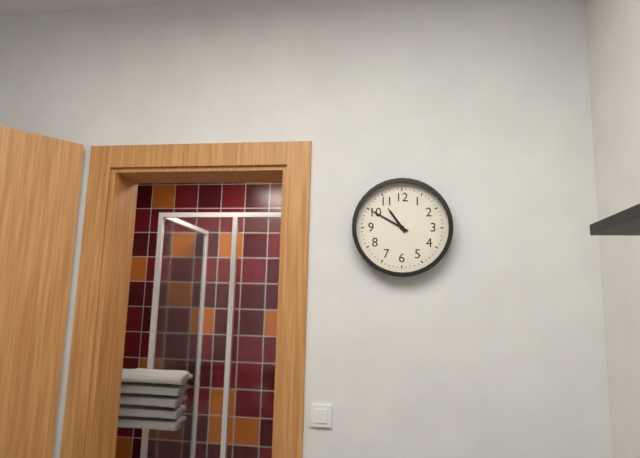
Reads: 10.50
